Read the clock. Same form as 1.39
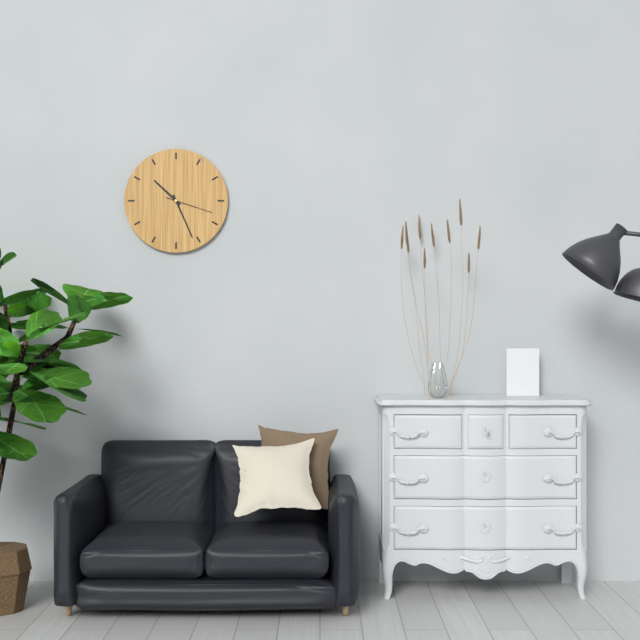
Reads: 10.26
